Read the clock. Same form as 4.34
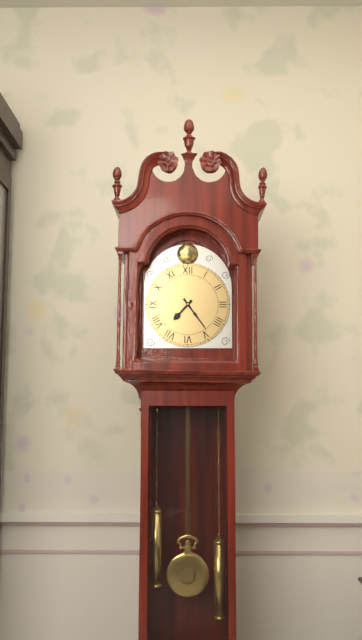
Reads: 7.24
